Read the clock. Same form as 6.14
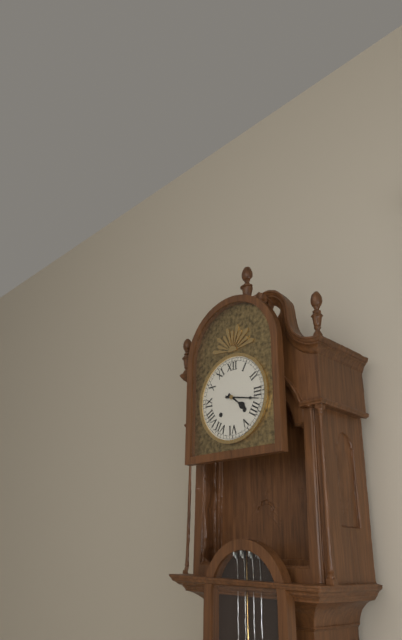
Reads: 4.17
